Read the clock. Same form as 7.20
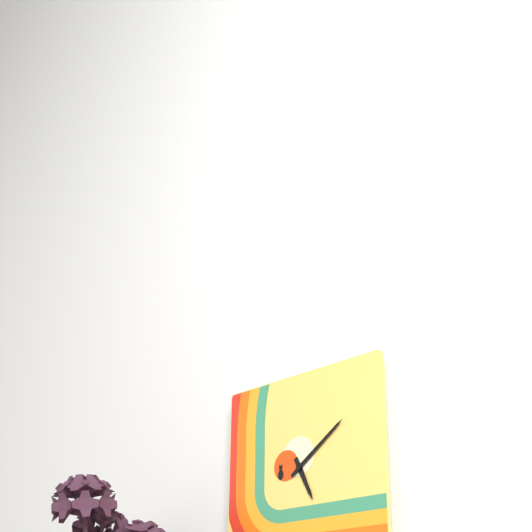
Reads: 5.09
